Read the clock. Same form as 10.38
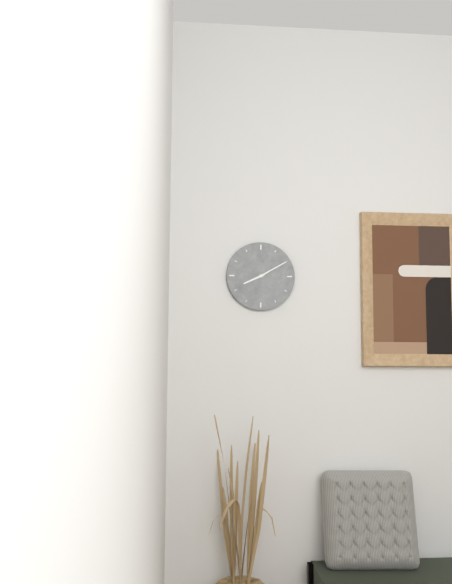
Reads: 8.10
